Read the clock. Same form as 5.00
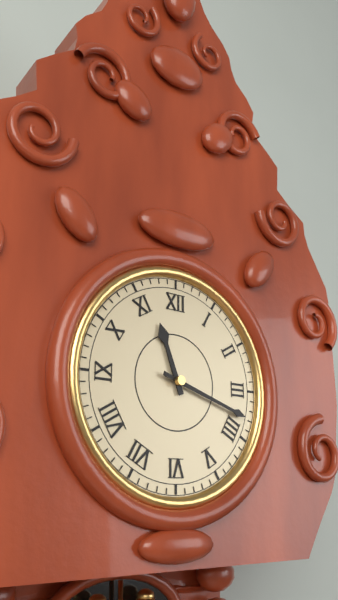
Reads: 11.18
